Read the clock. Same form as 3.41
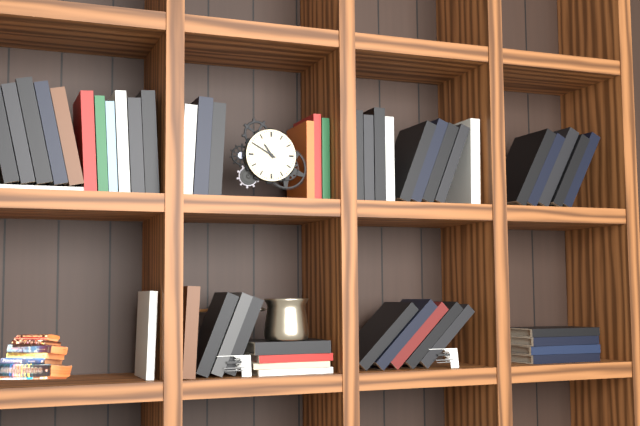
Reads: 10.50
